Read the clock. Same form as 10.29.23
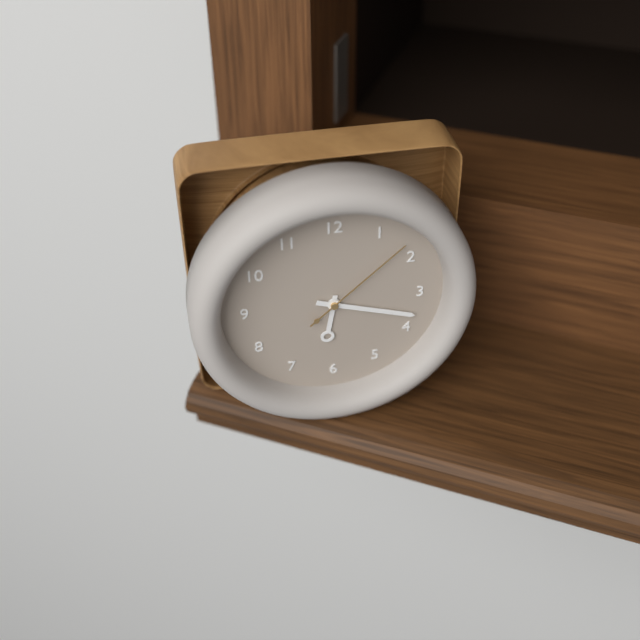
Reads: 6.18.08
